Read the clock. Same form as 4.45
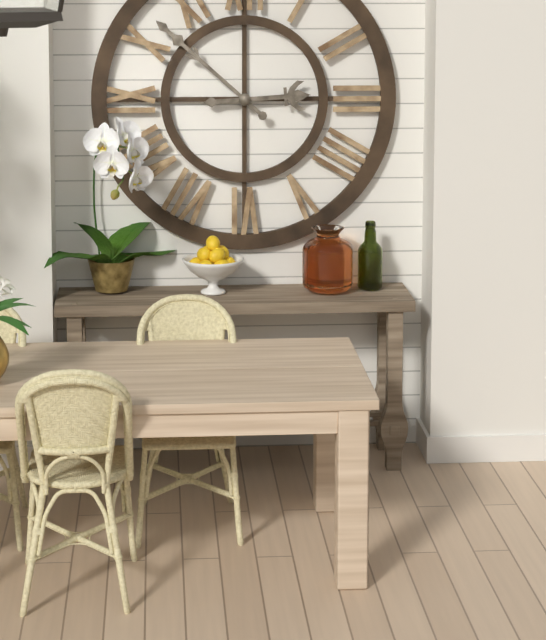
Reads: 2.52
